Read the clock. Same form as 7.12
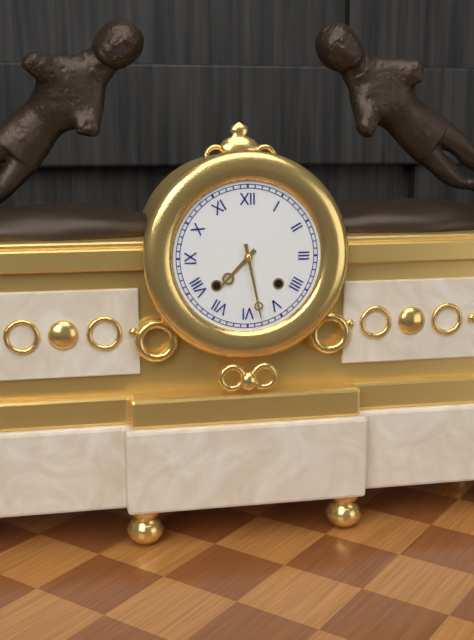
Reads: 7.28
